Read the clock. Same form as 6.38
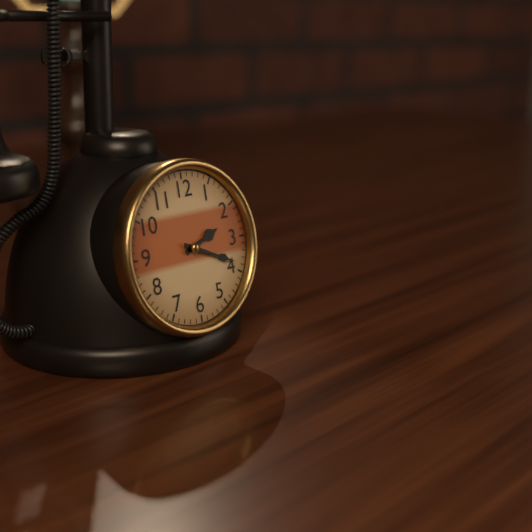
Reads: 2.19
